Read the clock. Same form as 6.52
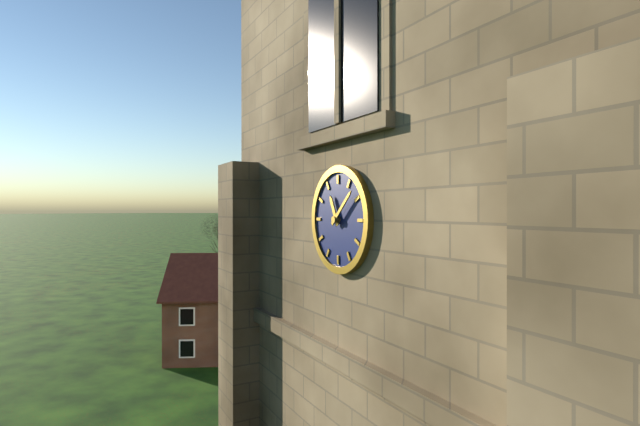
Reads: 11.08
